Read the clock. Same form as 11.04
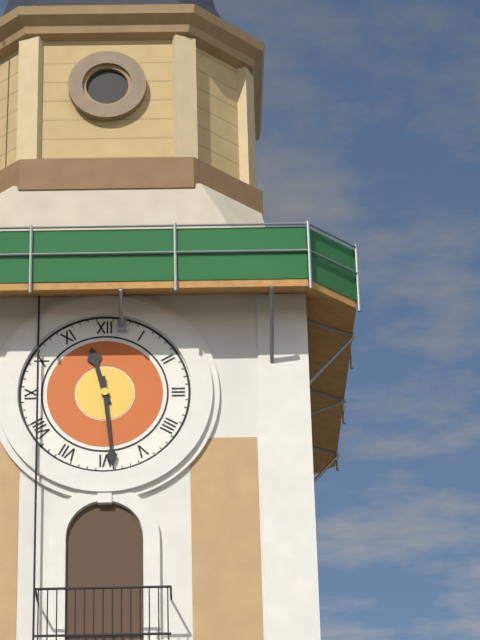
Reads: 11.29
